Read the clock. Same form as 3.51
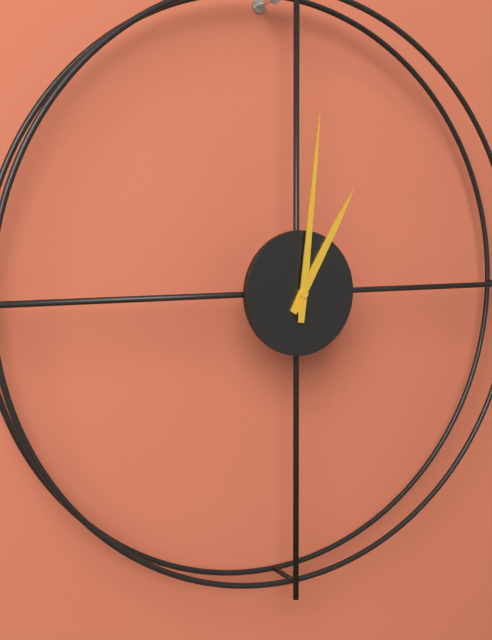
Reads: 1.01
